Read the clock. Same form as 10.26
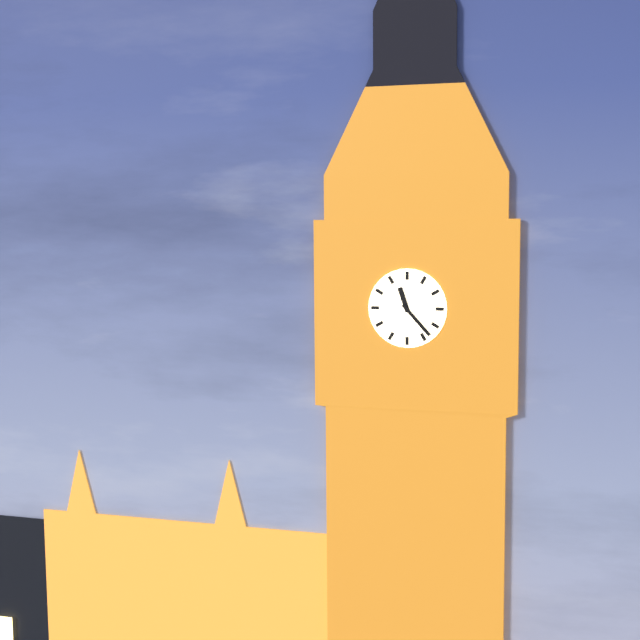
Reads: 11.23
